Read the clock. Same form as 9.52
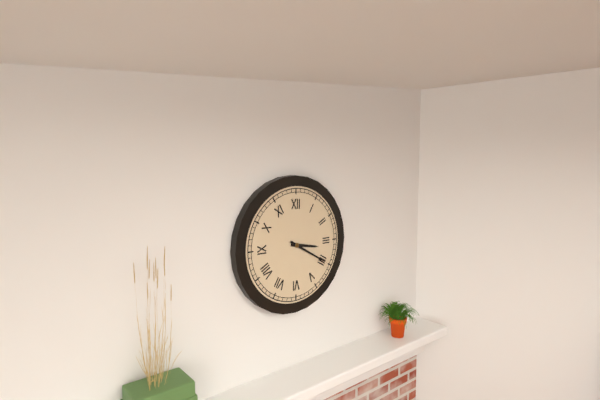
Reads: 3.20
